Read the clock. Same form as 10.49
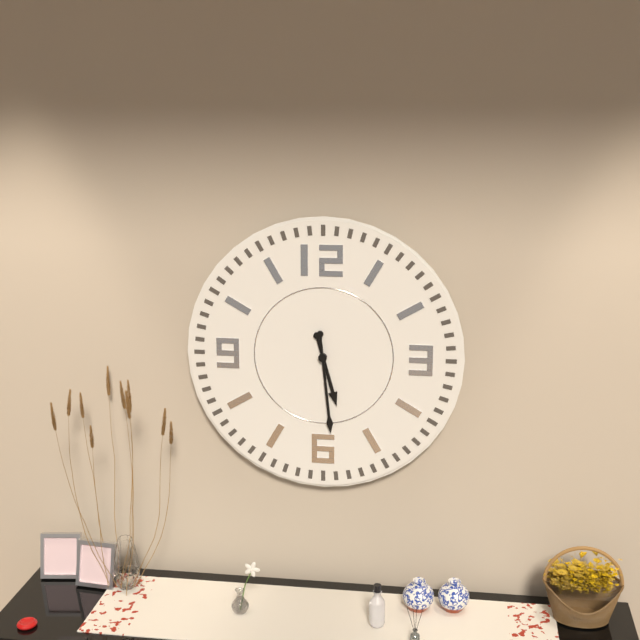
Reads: 5.29
